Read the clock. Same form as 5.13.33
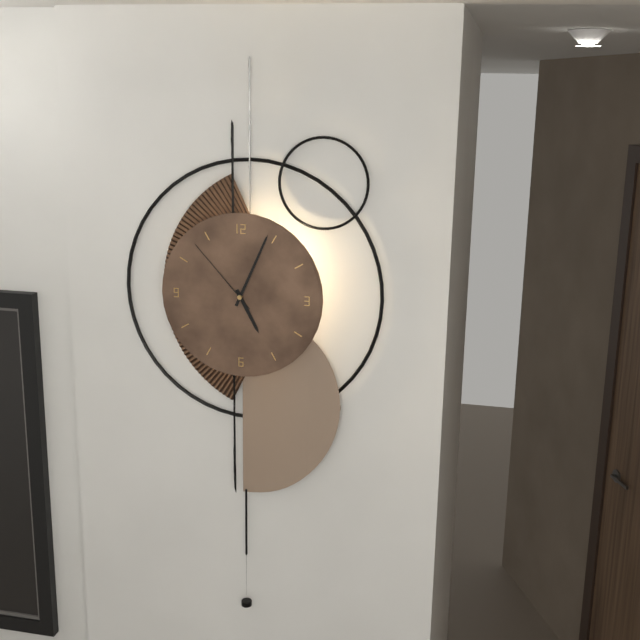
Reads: 5.04.53
